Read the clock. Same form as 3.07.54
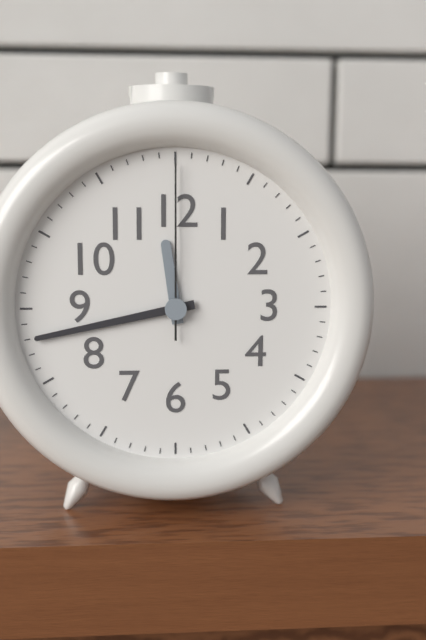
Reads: 11.43.00
